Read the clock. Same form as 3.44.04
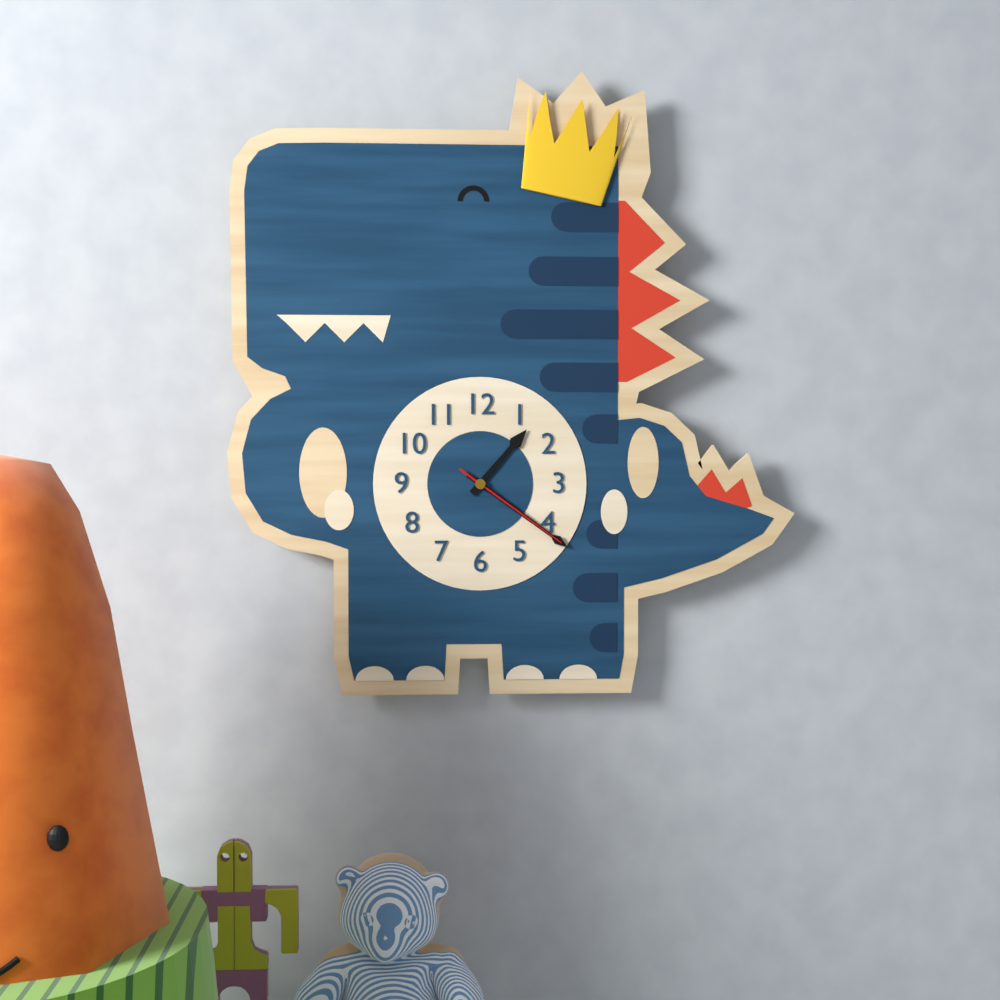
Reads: 1.21.21
